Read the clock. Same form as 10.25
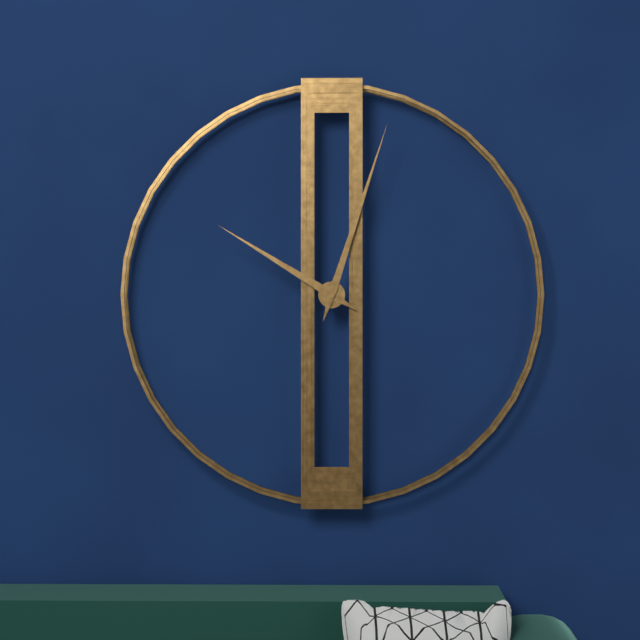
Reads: 10.03
